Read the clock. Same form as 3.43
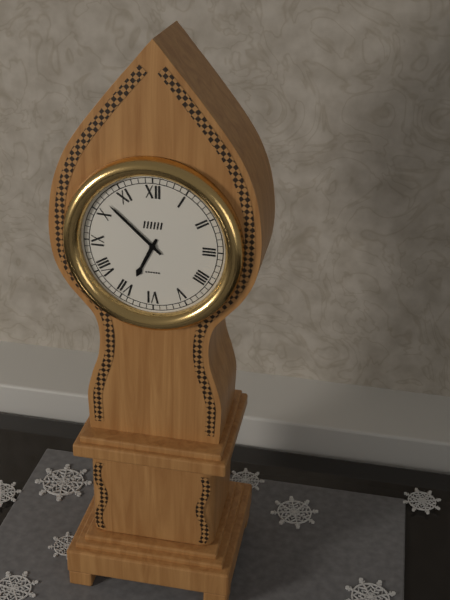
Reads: 6.52
